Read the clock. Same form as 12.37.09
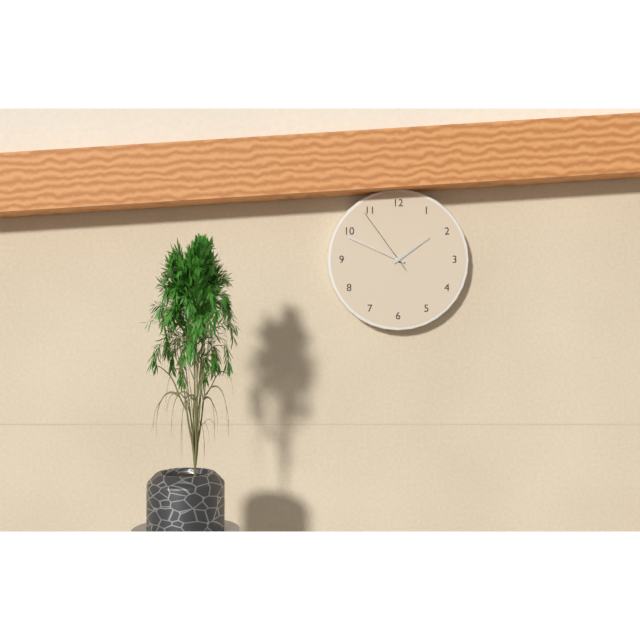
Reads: 1.49.54
